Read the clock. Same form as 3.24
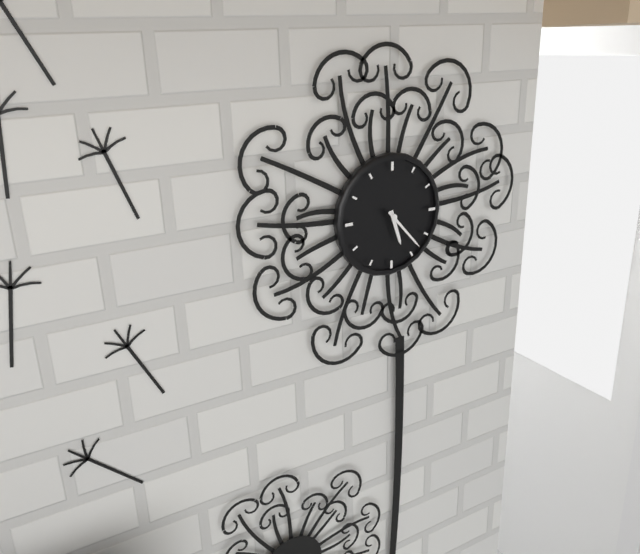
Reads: 5.23
